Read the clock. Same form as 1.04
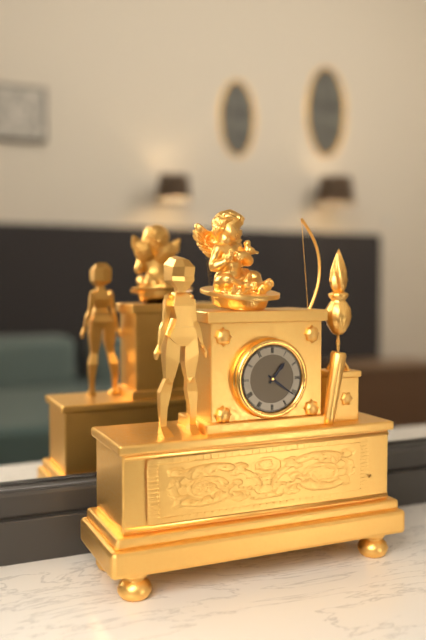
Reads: 1.21
